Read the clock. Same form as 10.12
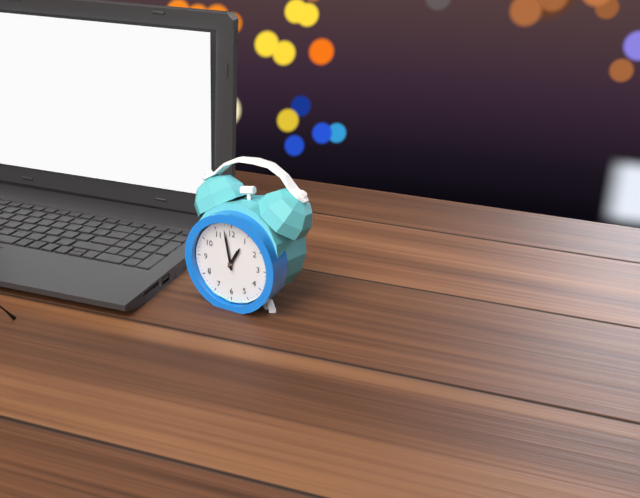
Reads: 12.58
